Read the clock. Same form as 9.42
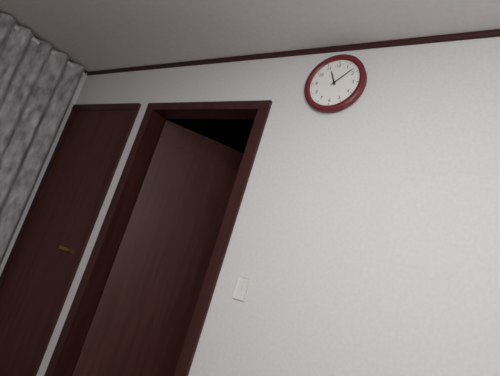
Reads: 11.08
